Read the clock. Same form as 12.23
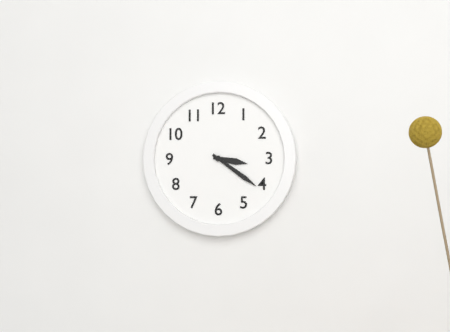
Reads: 3.21
